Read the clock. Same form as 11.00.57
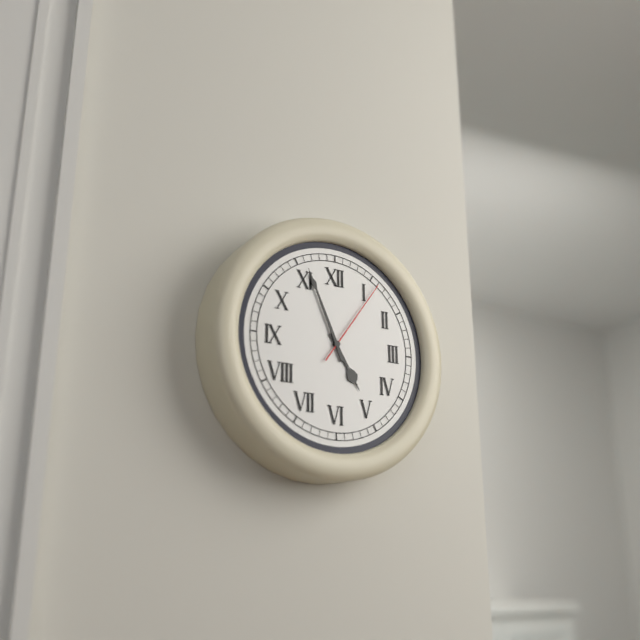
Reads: 4.56.06
